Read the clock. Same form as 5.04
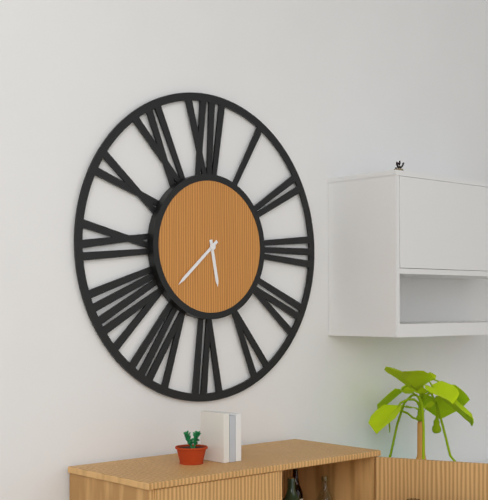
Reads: 5.38
